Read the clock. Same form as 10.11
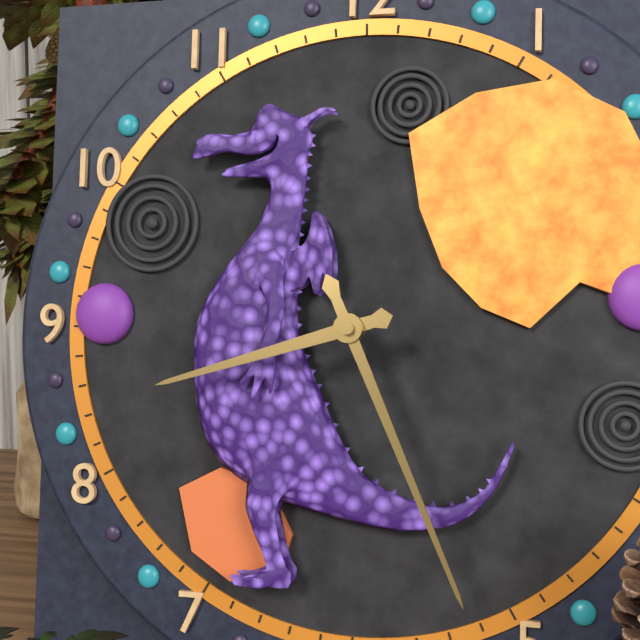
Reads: 8.26
